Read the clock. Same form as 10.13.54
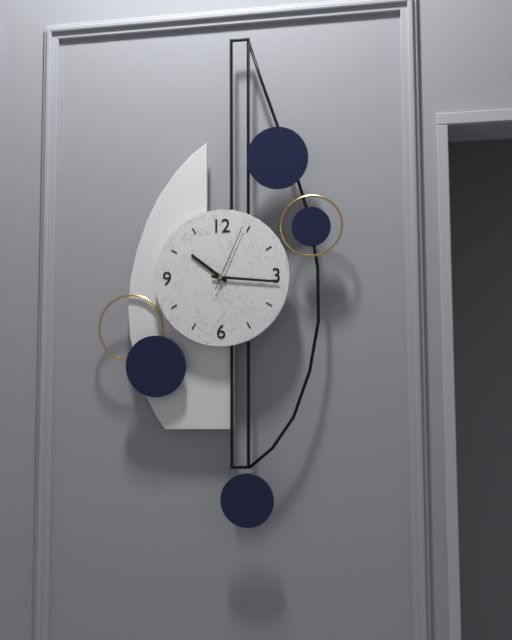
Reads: 10.16.04
